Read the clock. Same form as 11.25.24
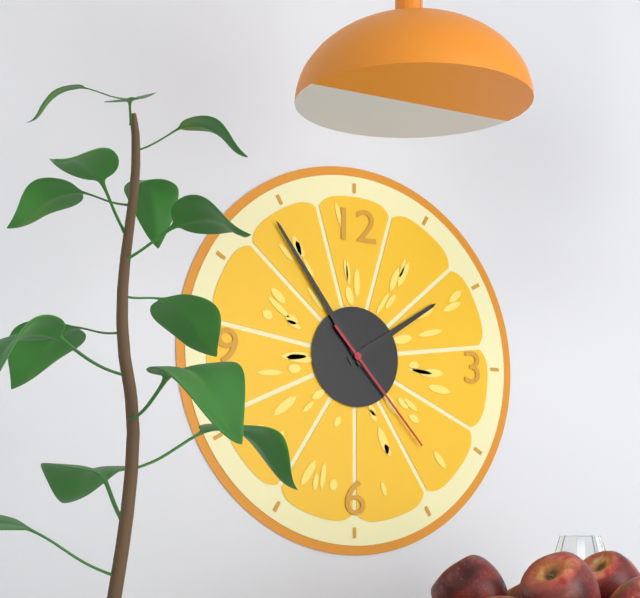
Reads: 1.54.23
